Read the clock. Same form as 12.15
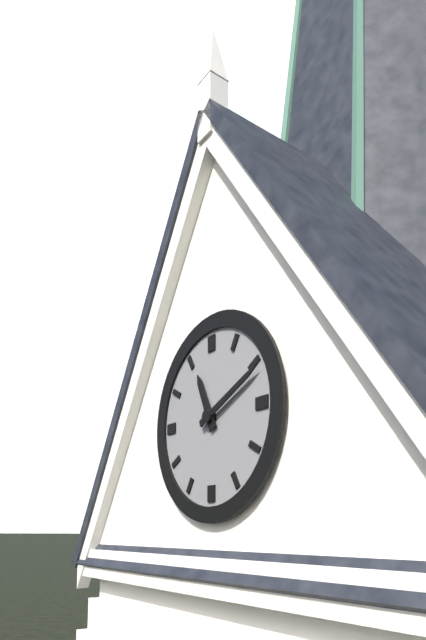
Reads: 11.11
